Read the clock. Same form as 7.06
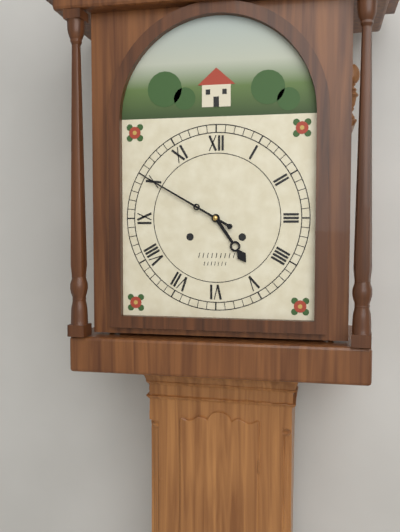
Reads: 4.50
